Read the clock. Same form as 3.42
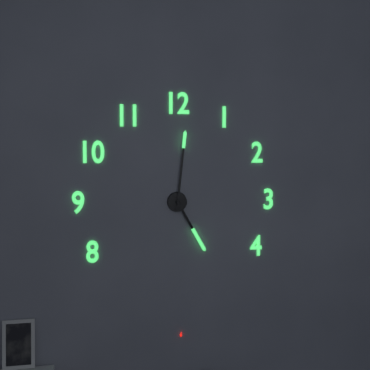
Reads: 5.01
